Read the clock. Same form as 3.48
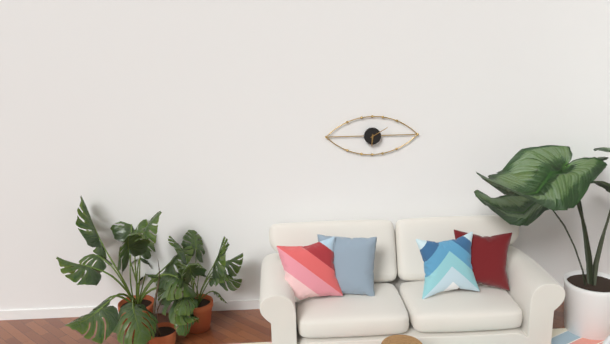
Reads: 6.10
